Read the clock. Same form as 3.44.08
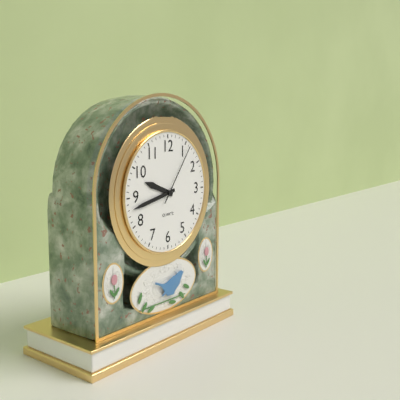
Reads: 9.43.06
